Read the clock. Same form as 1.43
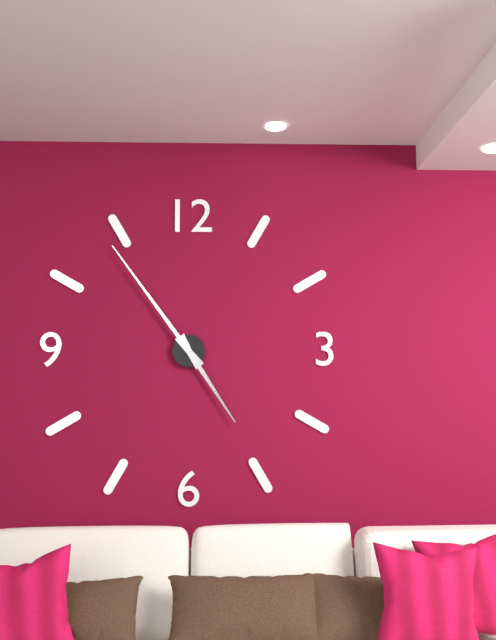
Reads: 4.54
